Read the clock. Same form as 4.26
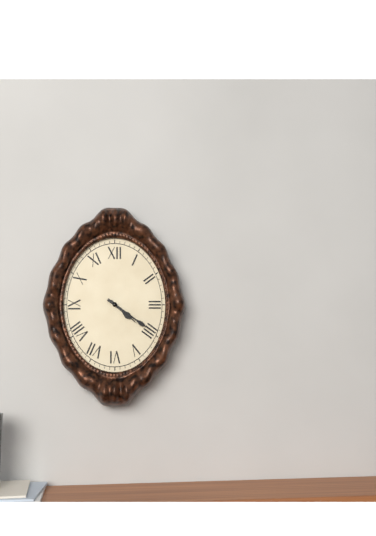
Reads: 4.21
